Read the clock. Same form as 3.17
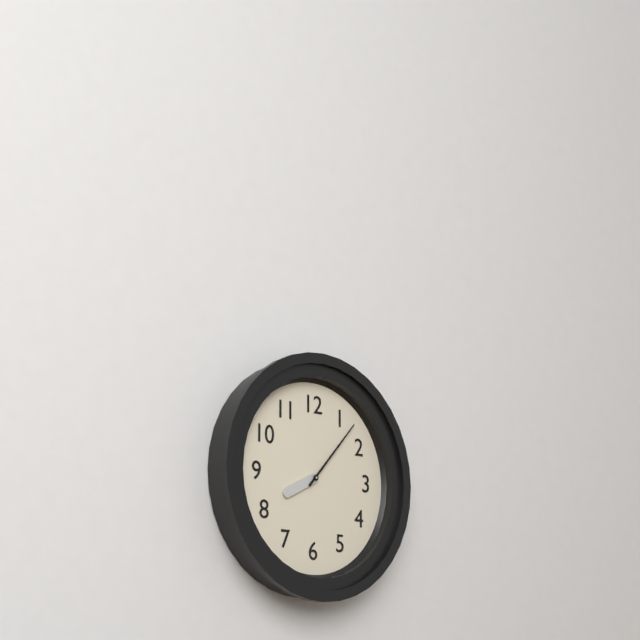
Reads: 8.07
